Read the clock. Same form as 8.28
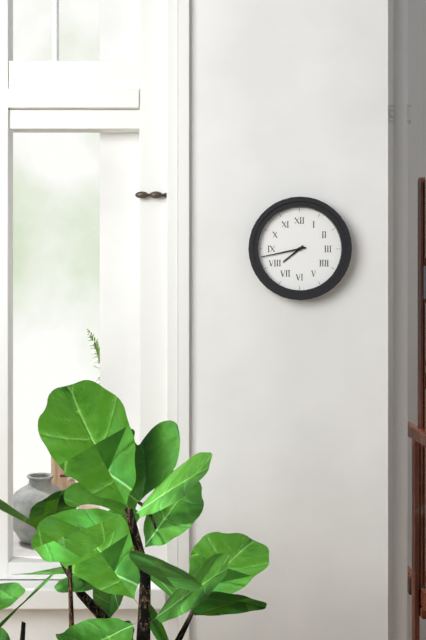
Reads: 7.43
